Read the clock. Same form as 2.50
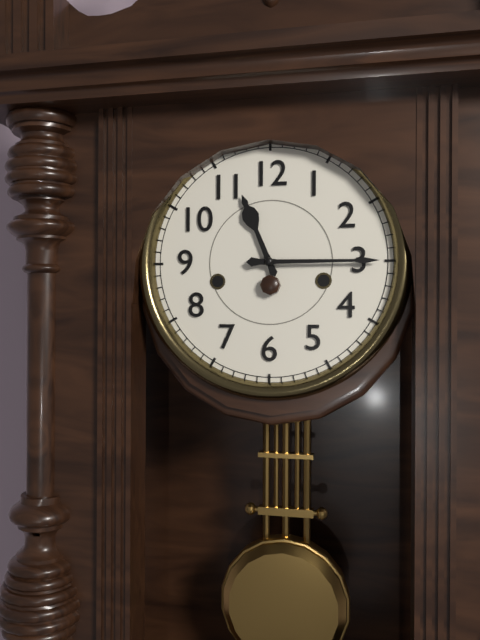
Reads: 11.15
